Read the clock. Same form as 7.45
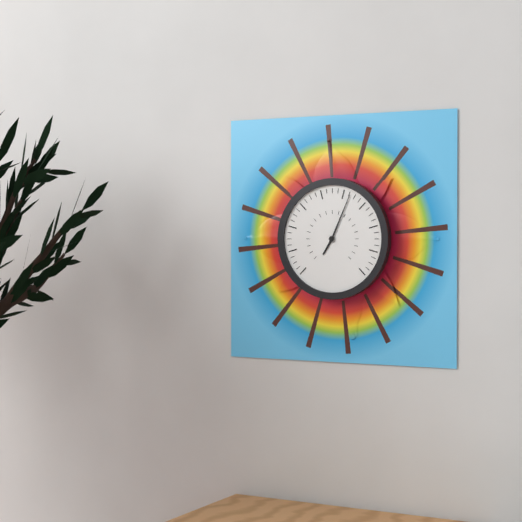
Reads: 7.04
